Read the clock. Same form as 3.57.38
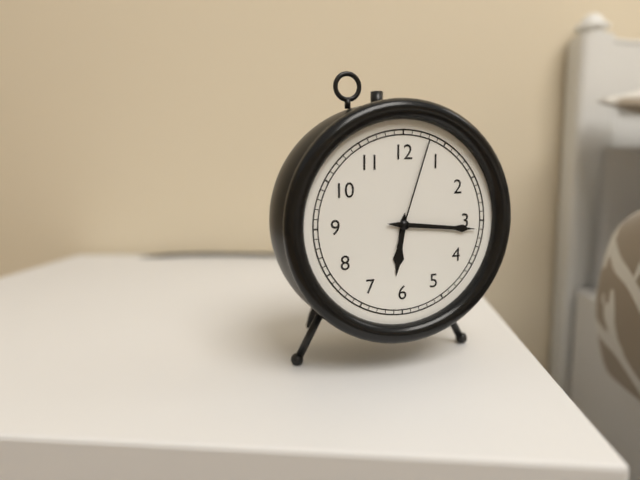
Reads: 6.16.03
